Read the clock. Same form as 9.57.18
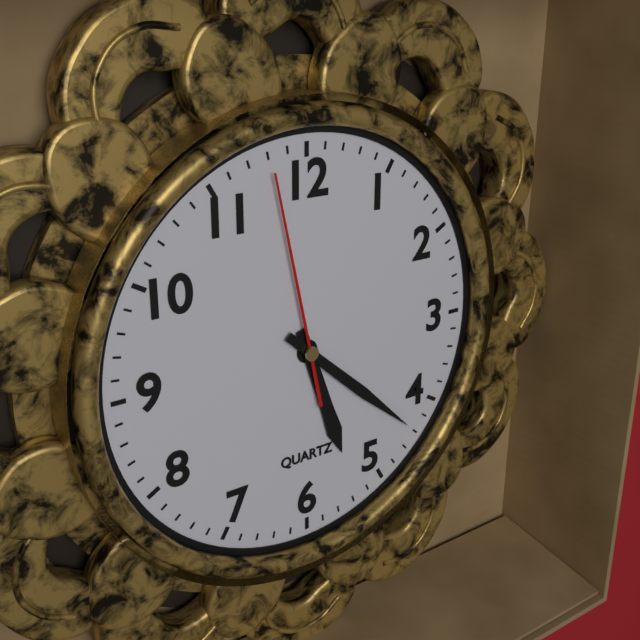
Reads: 5.22.58
